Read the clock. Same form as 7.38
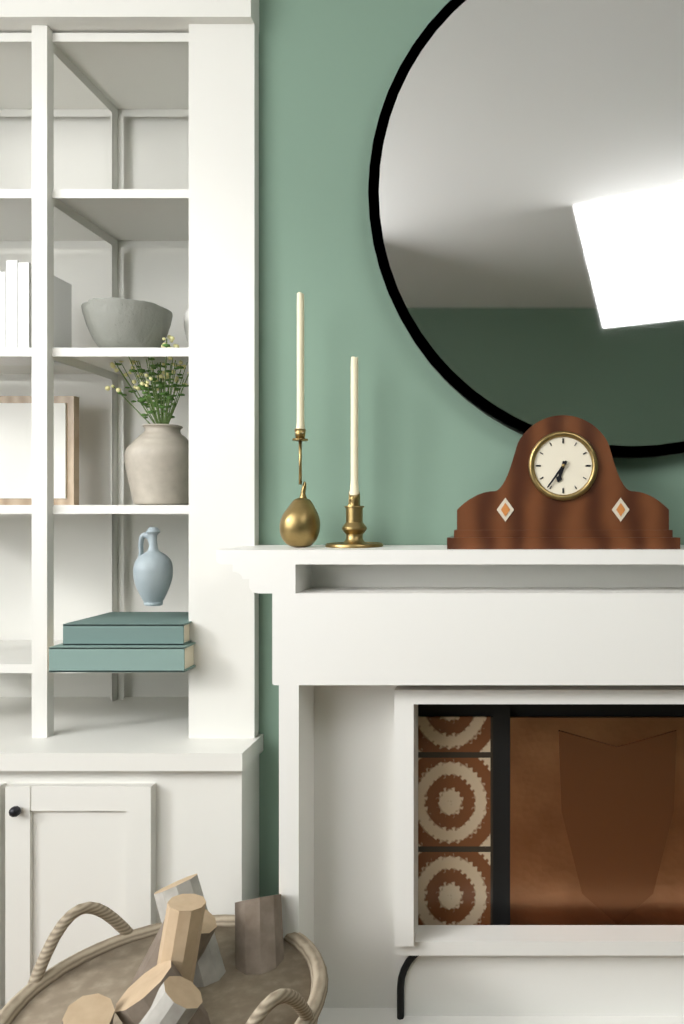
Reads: 6.36
